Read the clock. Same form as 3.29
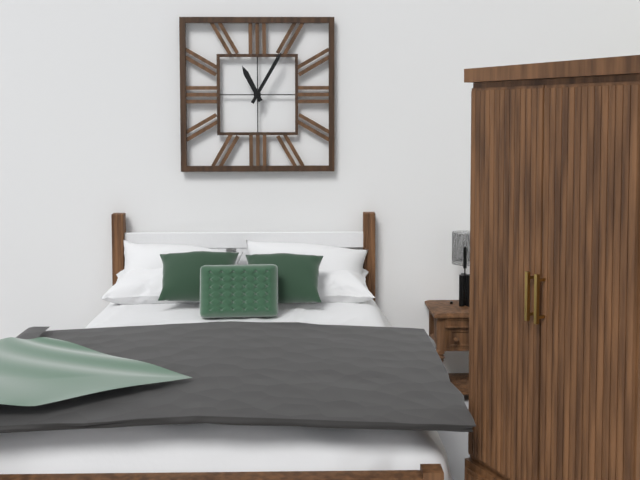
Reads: 11.05
